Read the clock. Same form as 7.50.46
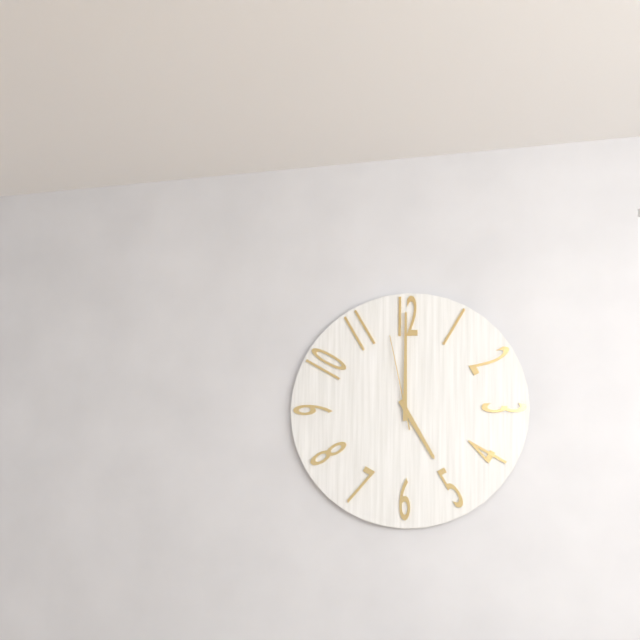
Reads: 5.00.58
